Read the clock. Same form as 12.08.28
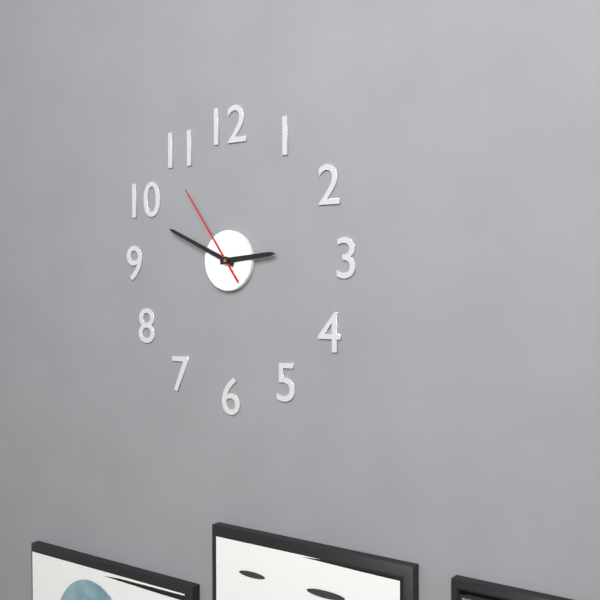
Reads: 2.49.54
